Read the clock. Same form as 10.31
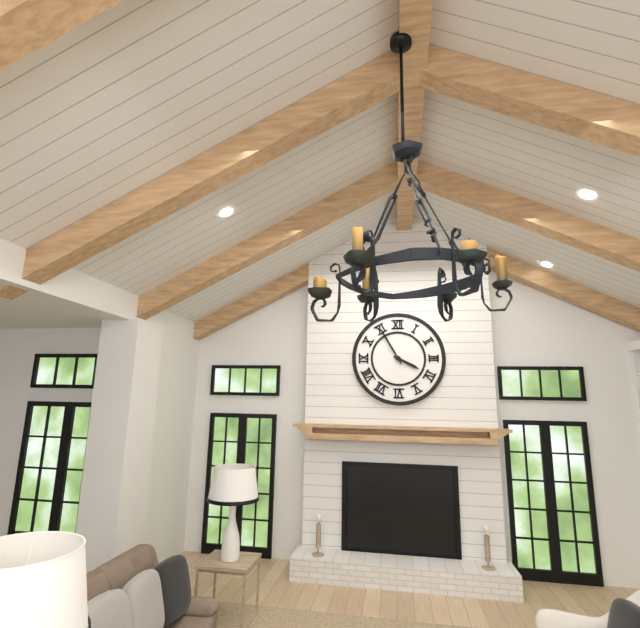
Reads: 3.55
